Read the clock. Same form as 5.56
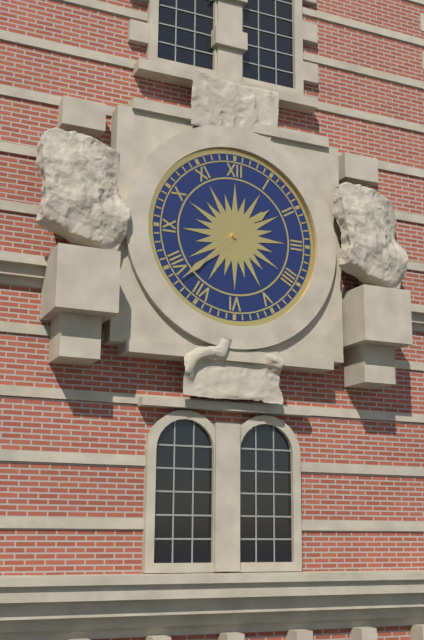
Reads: 1.38
